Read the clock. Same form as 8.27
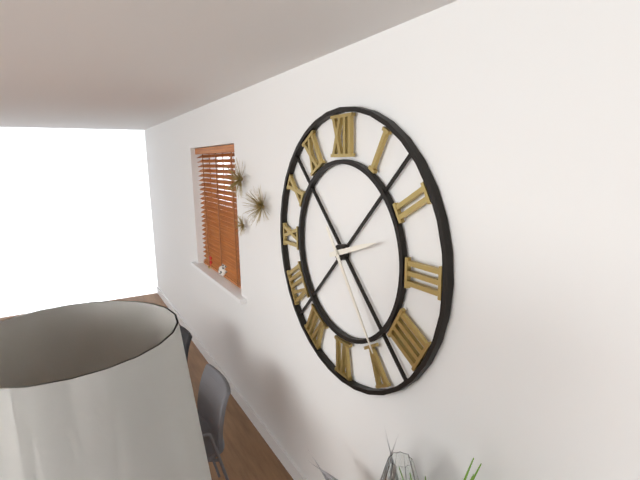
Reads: 2.24
